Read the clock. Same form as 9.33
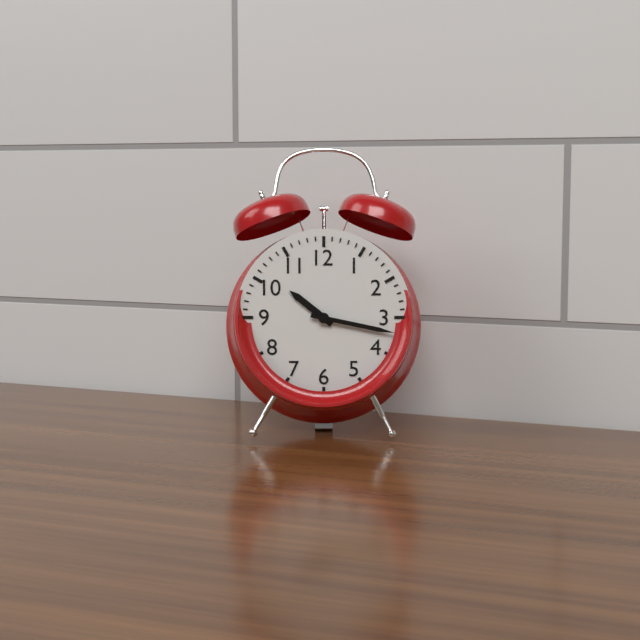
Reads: 10.17
